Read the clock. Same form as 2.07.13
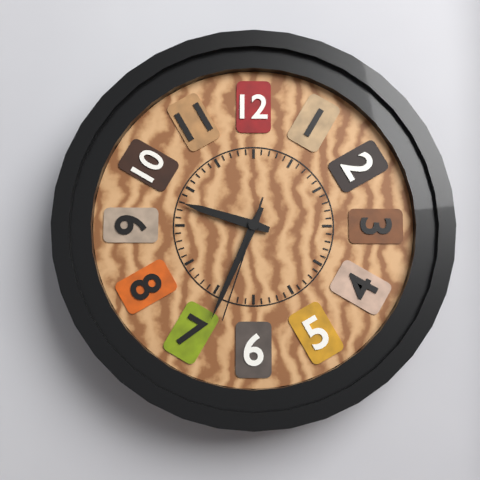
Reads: 9.34.33
